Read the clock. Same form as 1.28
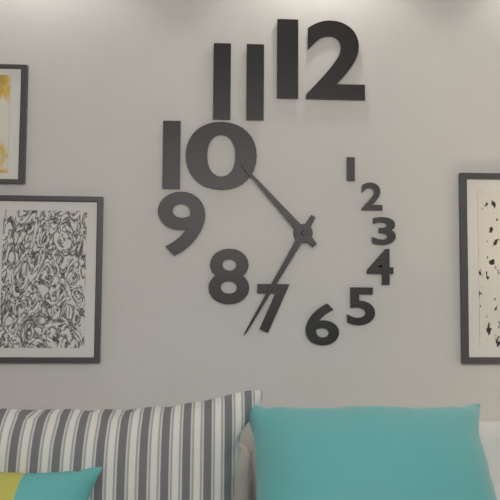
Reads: 10.35
